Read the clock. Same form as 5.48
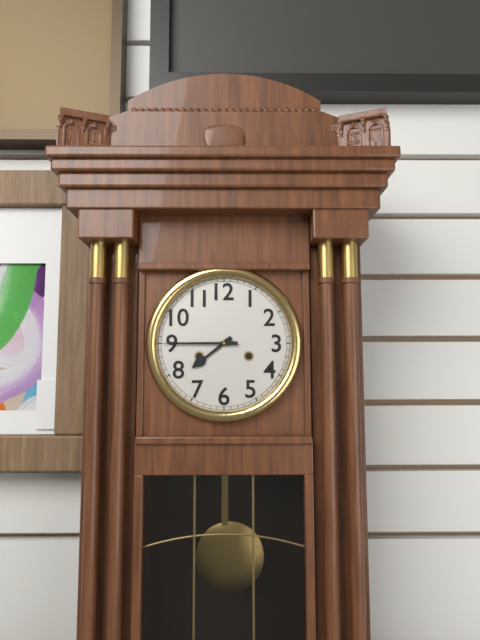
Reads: 7.45
